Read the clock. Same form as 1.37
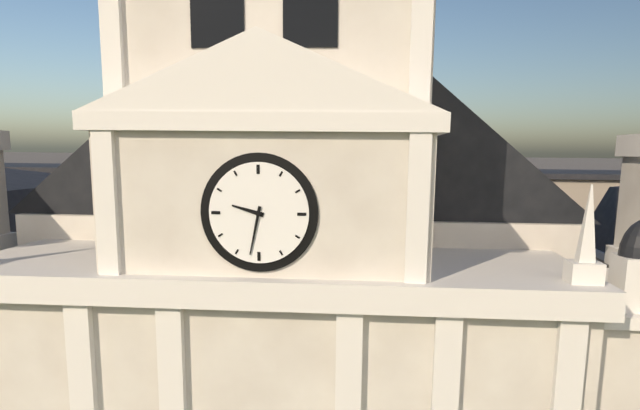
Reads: 9.32
